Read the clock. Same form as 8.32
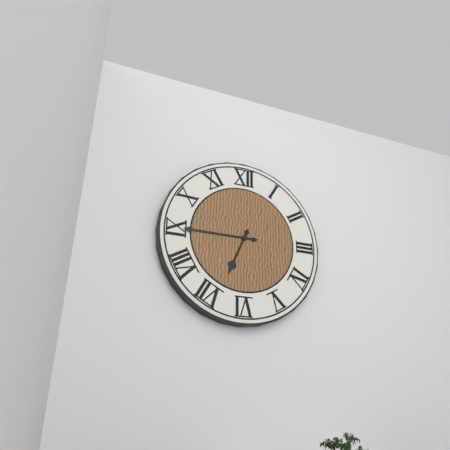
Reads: 6.45
